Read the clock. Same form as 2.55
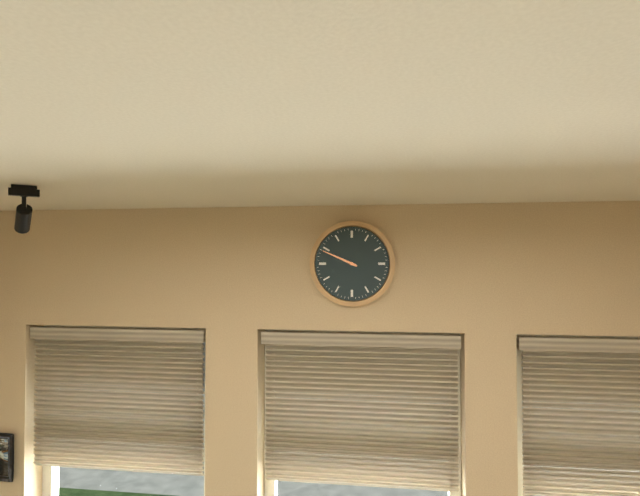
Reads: 9.49
